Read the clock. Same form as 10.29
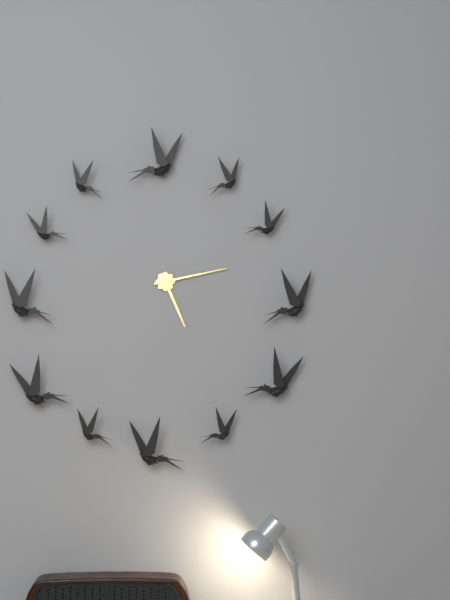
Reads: 5.13
